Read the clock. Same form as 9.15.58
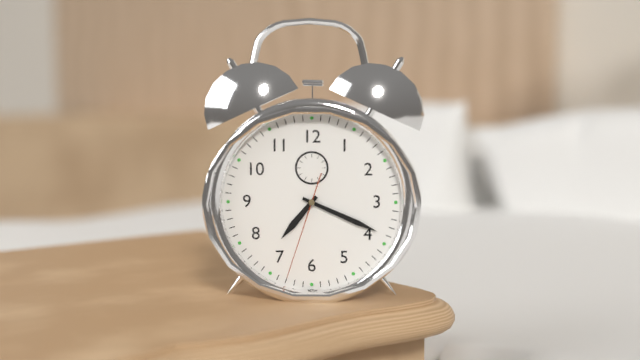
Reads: 7.19.33
